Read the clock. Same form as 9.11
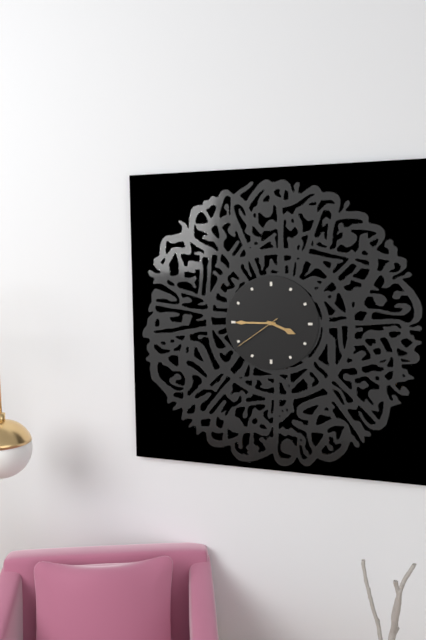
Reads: 3.45
